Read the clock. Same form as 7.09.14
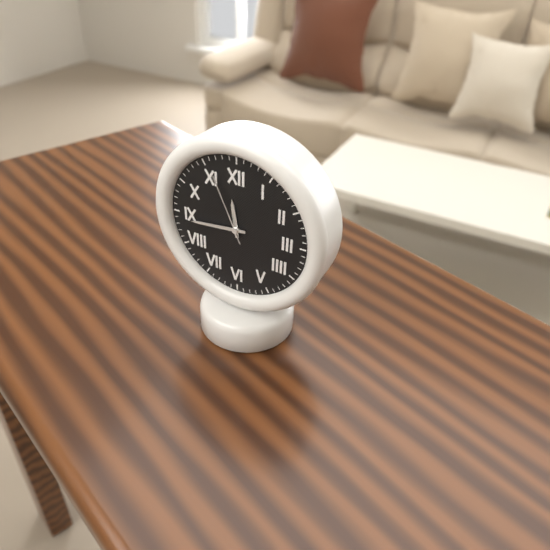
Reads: 11.44.56
